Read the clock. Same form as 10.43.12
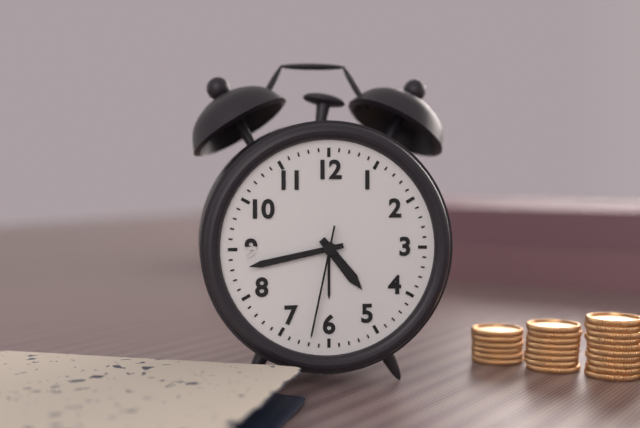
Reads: 4.43.32
